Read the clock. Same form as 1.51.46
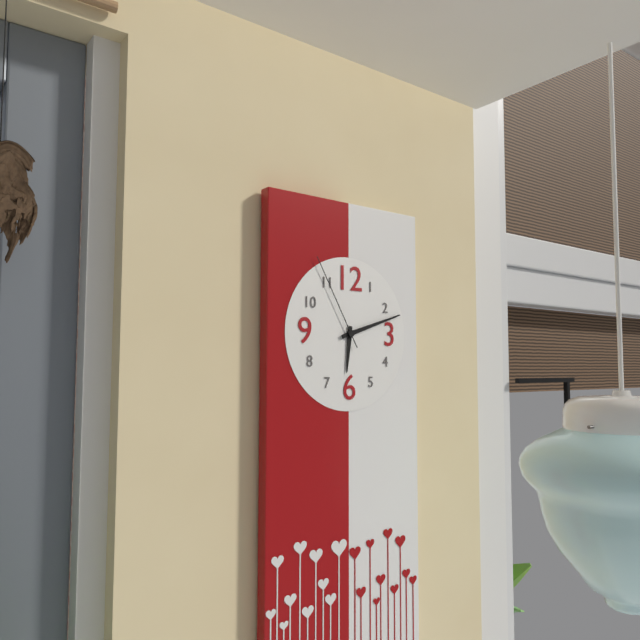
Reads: 6.12.55
